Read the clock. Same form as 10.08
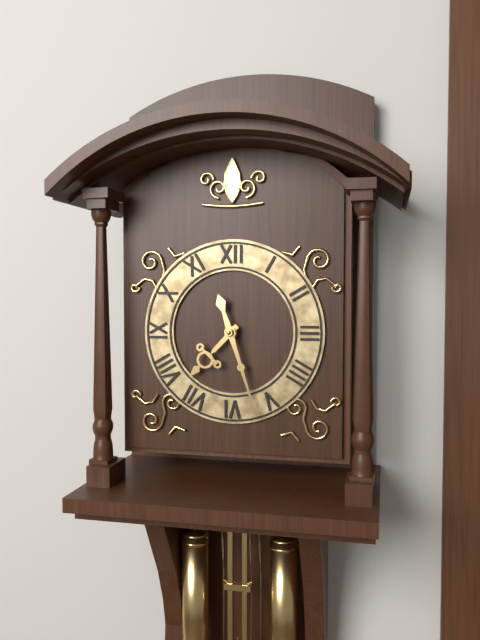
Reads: 7.27
